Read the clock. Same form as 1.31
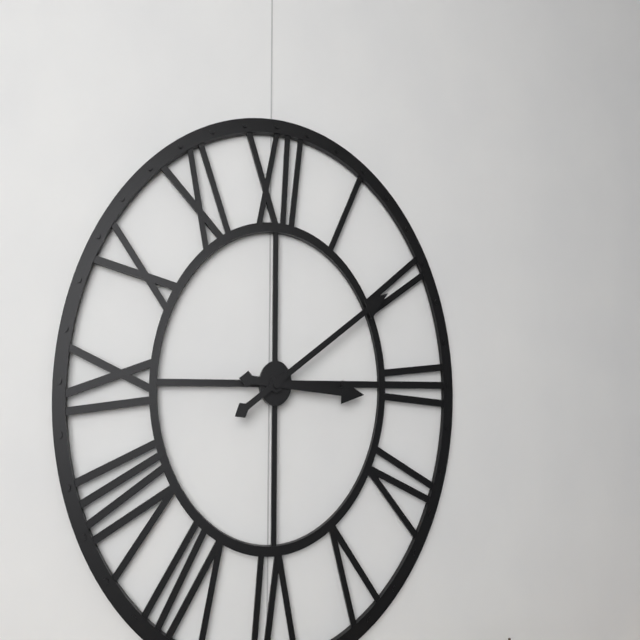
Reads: 3.10
